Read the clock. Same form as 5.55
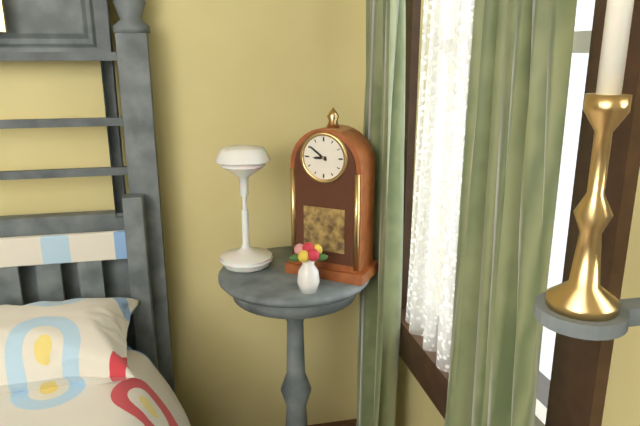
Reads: 8.51
